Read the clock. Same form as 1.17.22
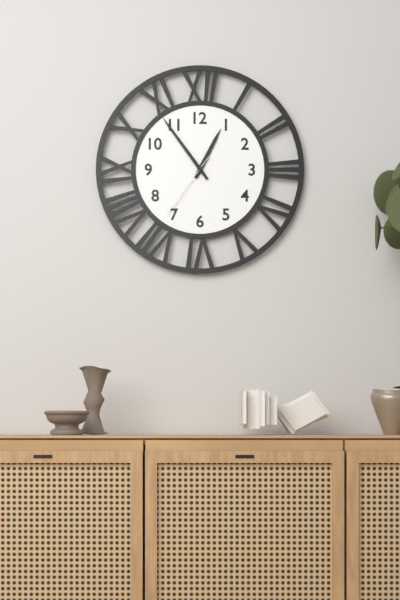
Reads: 12.54.36
